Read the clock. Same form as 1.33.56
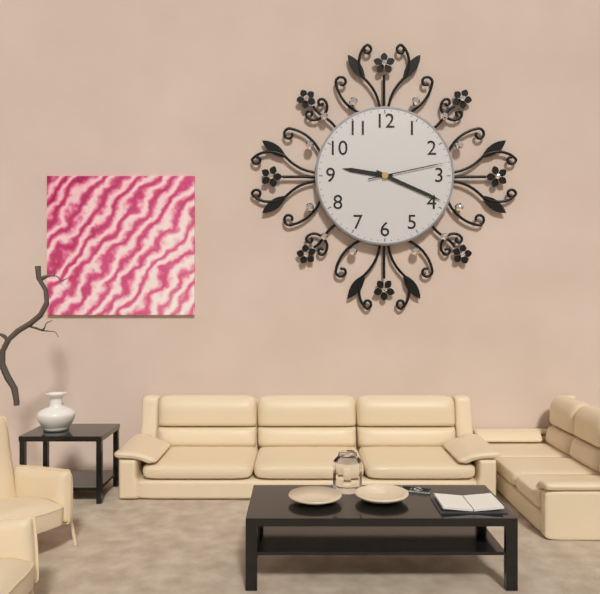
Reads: 9.19.13
